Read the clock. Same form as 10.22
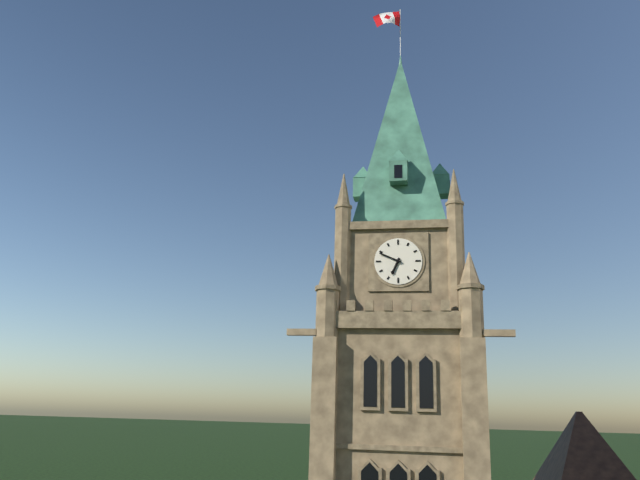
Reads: 6.49
